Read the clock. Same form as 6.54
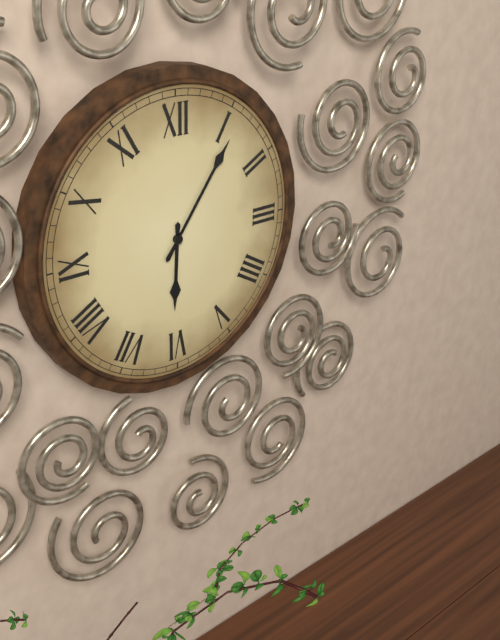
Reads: 6.06
